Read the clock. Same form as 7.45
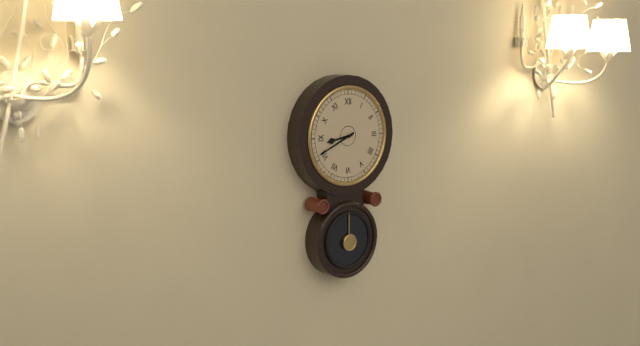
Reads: 8.41
